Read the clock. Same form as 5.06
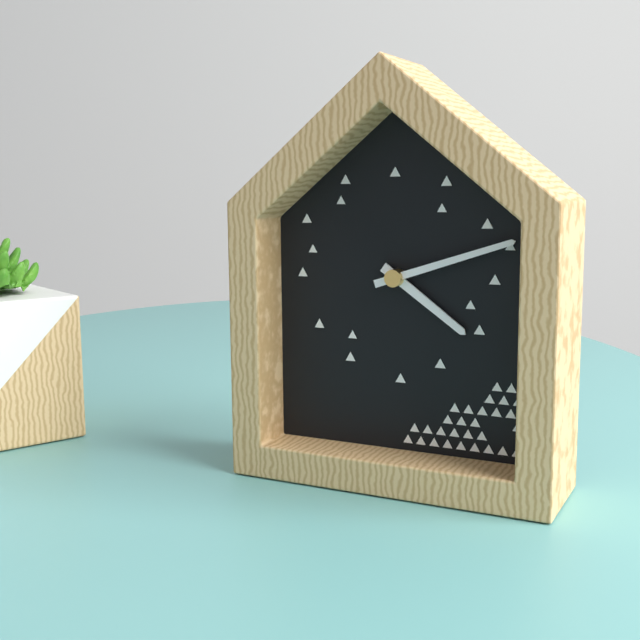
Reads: 4.12
